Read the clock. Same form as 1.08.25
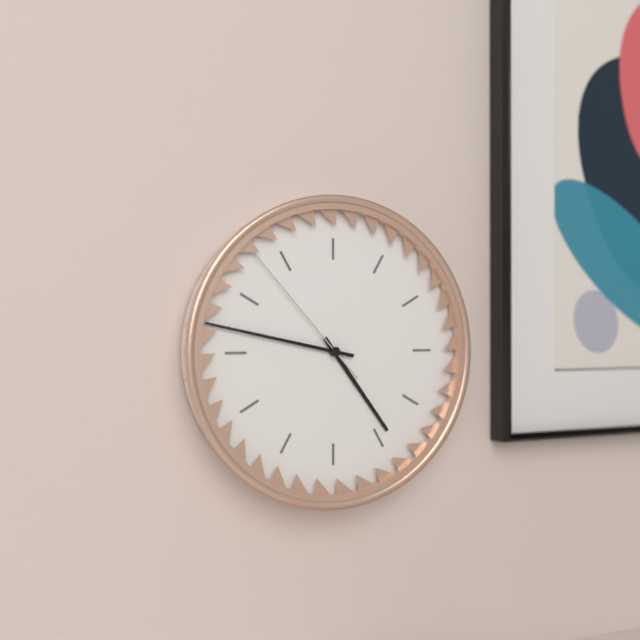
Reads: 4.47.53
